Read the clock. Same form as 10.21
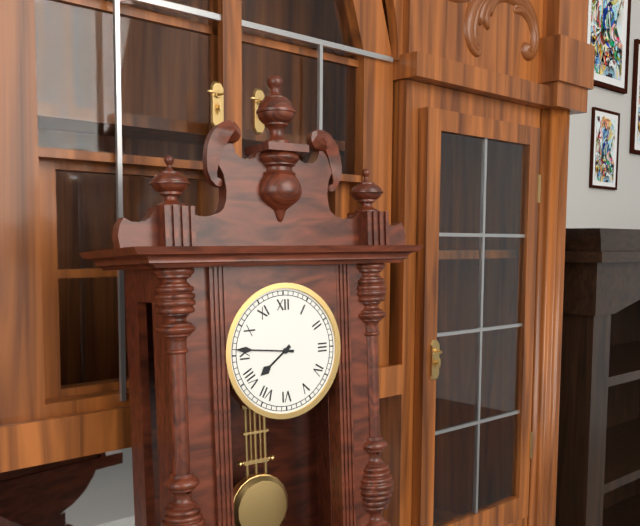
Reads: 7.46
